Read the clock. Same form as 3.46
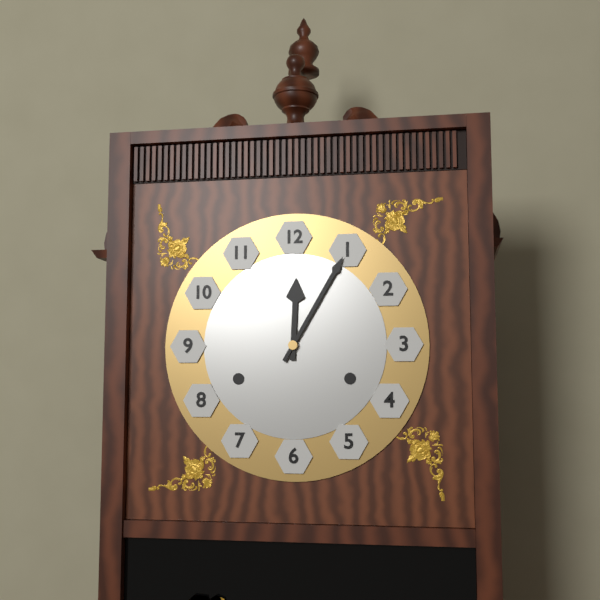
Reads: 12.05
